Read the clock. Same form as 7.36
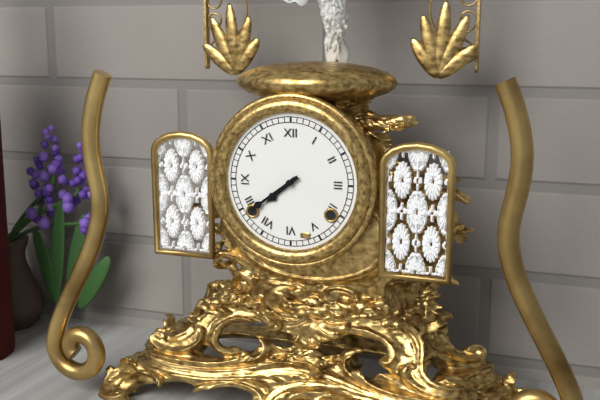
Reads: 7.39
